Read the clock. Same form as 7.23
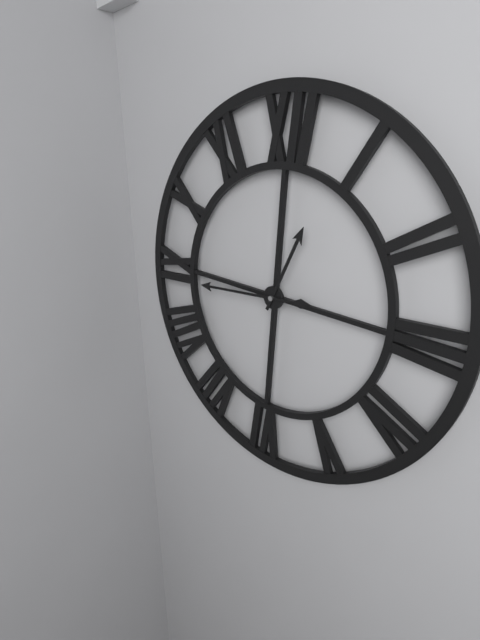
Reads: 12.44
